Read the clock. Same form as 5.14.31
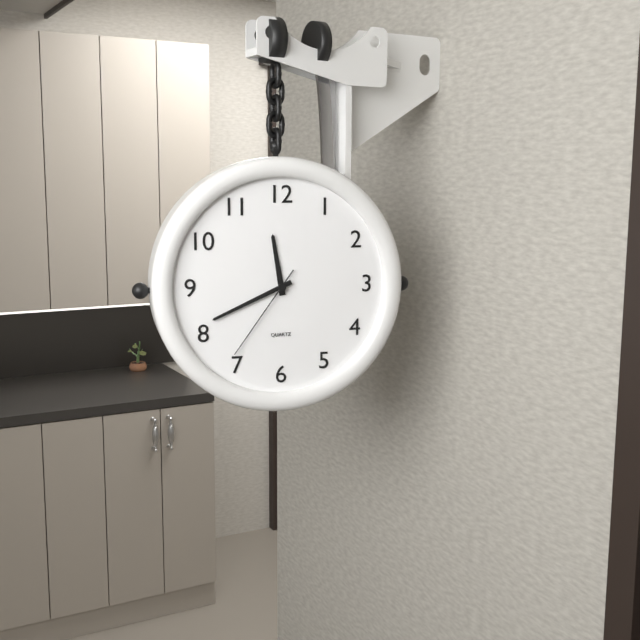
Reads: 11.41.36
